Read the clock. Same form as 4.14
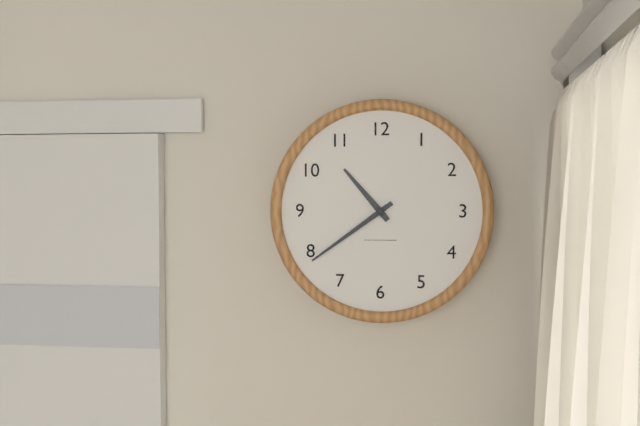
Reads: 10.39
